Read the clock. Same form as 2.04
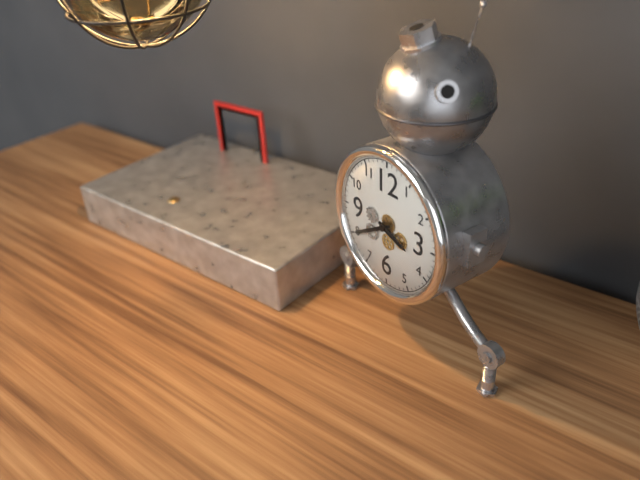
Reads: 3.40
